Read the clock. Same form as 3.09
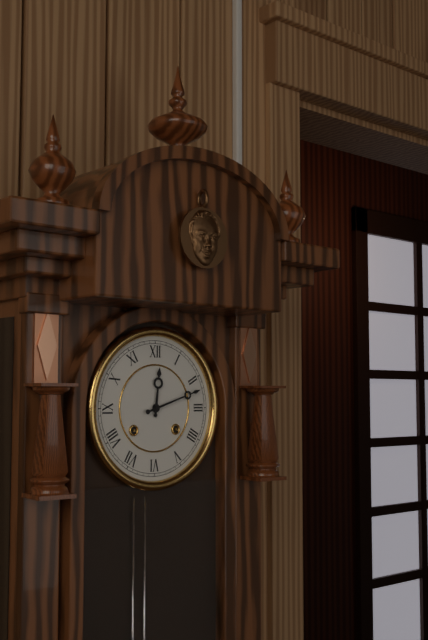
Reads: 12.12
